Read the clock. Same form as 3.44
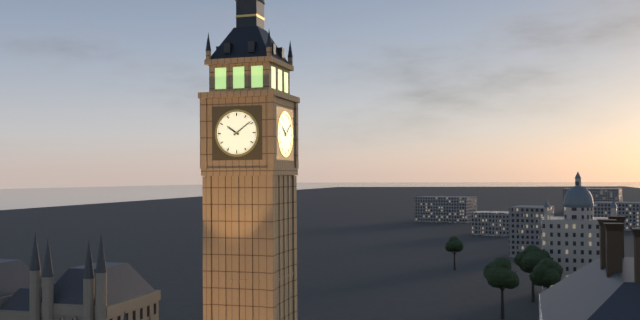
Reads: 10.09
